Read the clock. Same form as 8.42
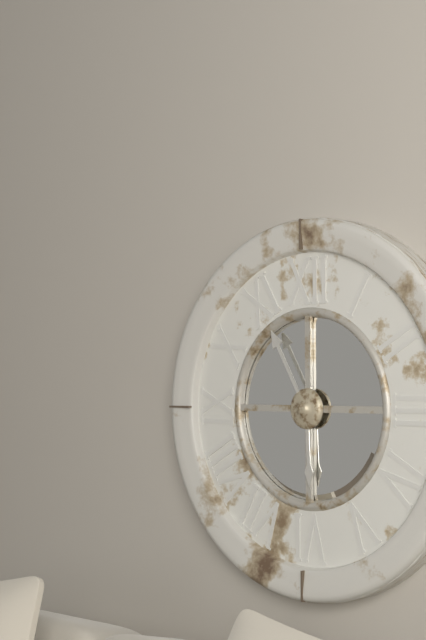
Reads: 5.55
